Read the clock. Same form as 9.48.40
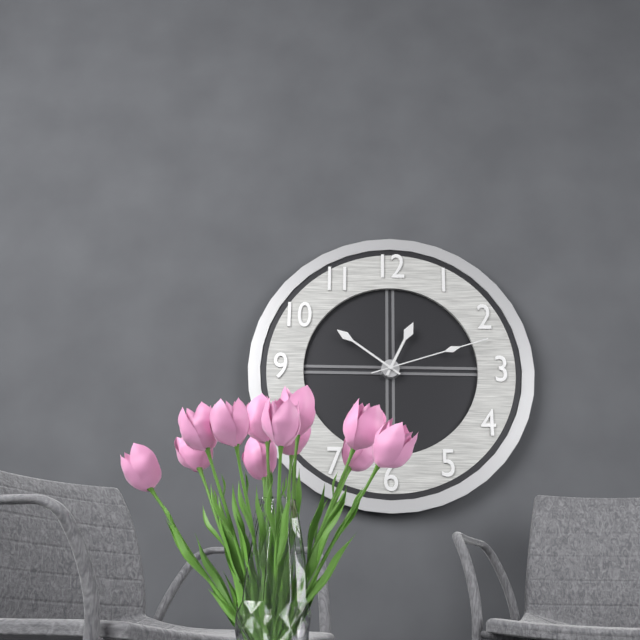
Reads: 12.51.12
